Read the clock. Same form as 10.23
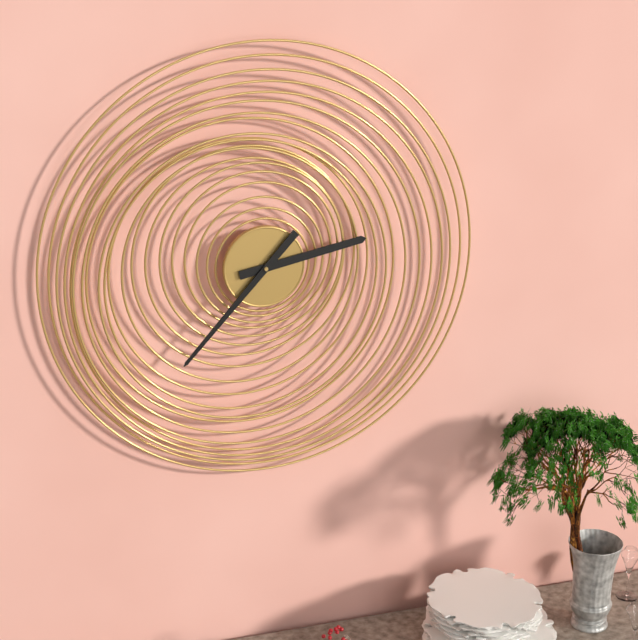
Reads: 2.37
